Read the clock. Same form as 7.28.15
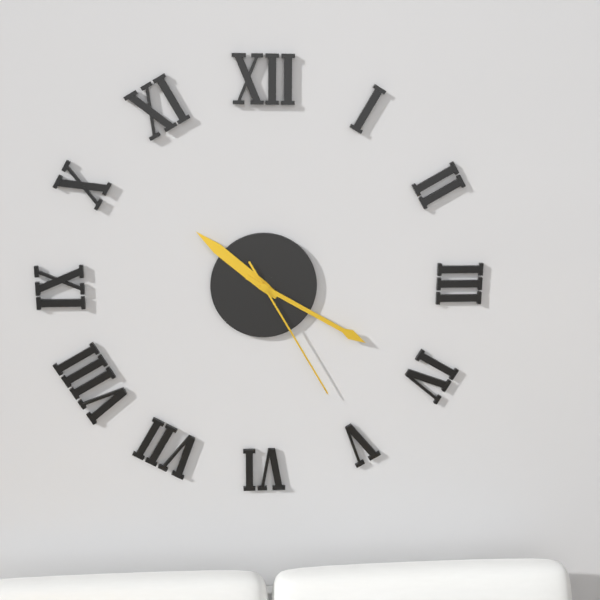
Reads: 10.20.25
